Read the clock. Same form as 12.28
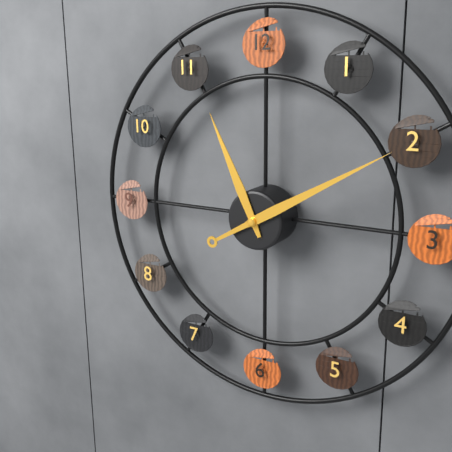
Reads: 11.10
